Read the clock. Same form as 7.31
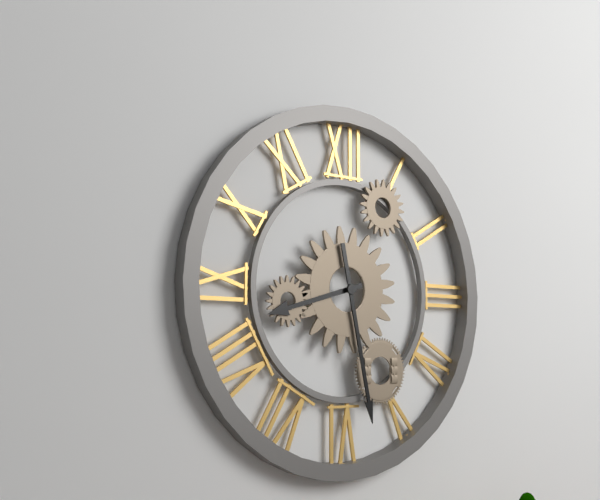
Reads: 8.28
